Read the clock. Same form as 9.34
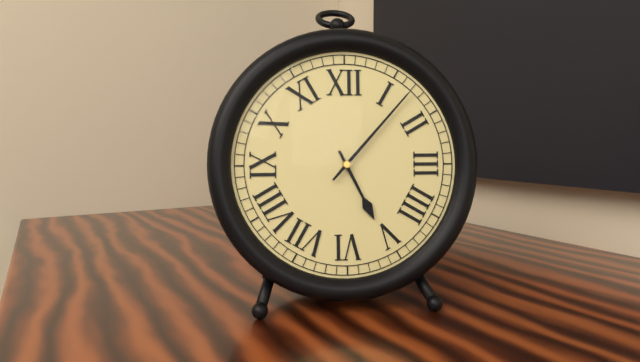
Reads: 5.07
